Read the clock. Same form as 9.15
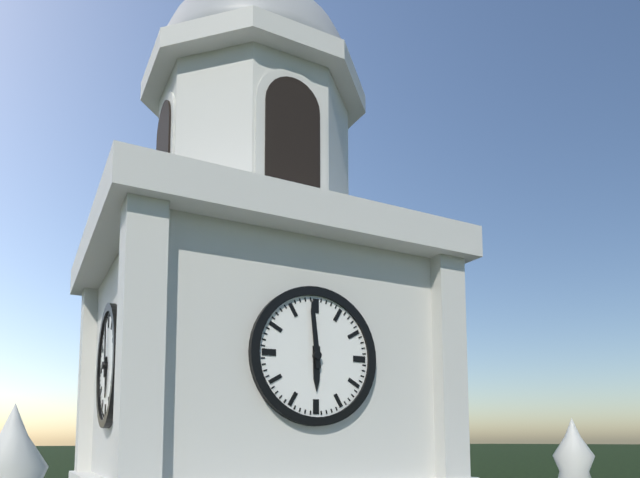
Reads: 5.59
